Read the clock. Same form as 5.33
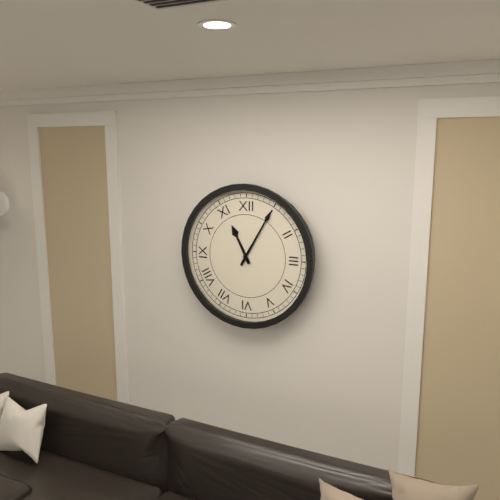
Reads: 11.05
